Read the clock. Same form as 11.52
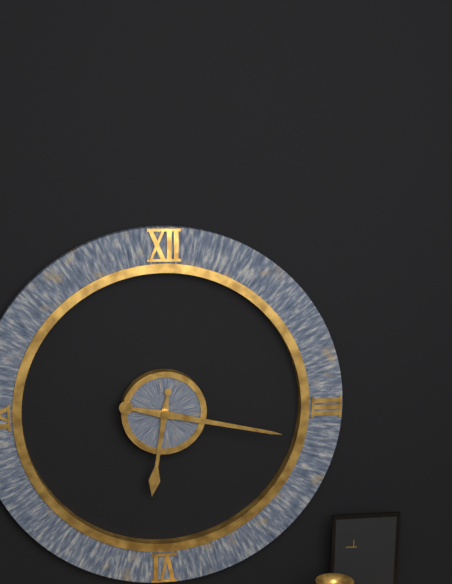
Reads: 6.17
